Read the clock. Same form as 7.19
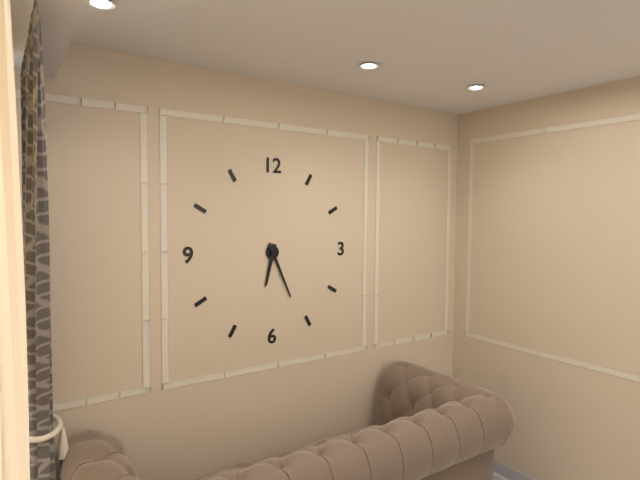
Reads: 6.26
